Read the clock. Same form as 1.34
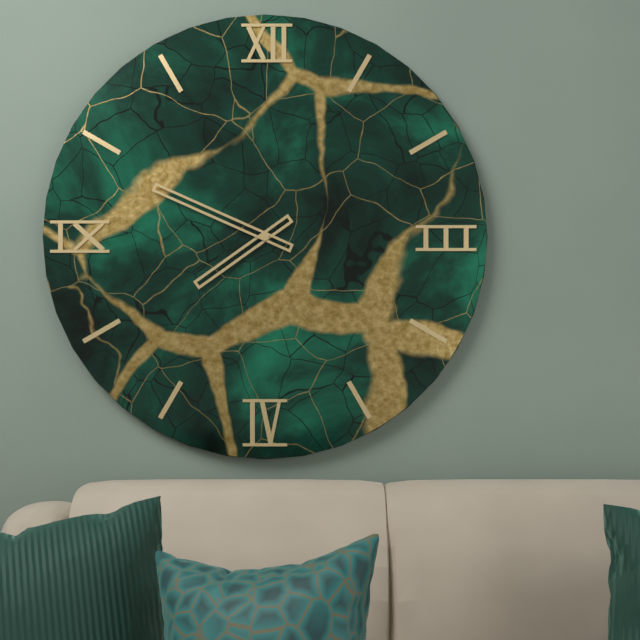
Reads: 7.49
